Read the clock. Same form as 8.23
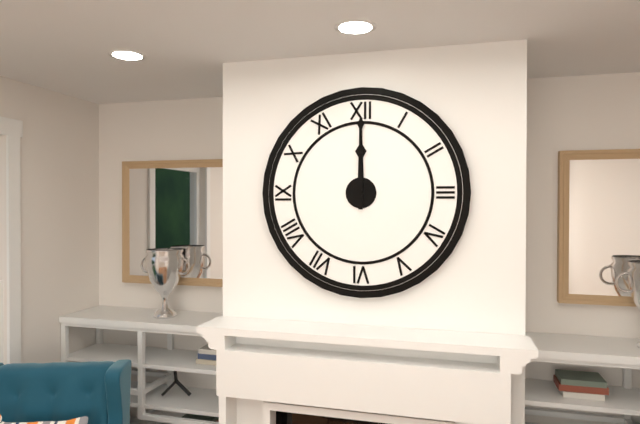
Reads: 12.00
